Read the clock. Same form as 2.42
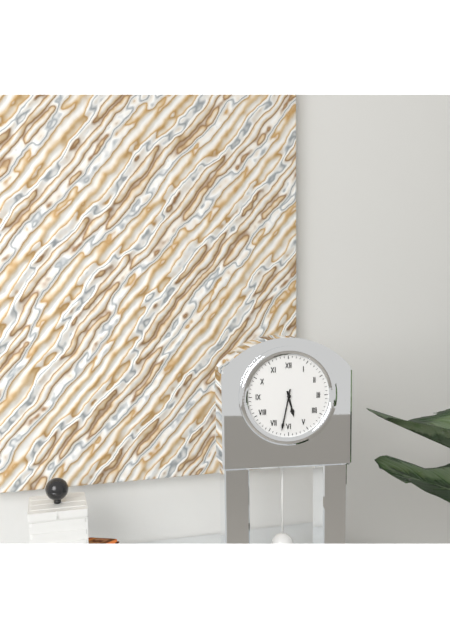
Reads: 5.32
